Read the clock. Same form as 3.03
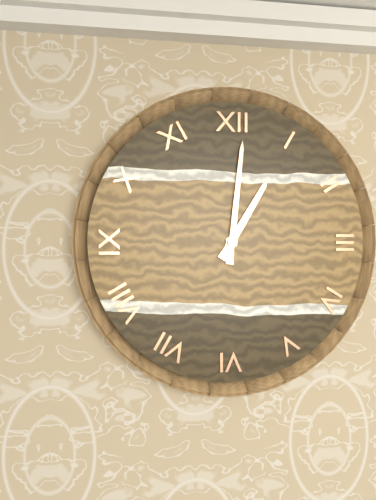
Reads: 1.01
